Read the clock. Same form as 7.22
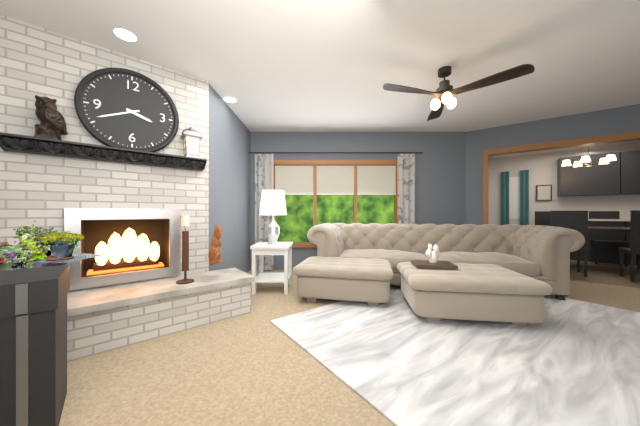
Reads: 3.41
